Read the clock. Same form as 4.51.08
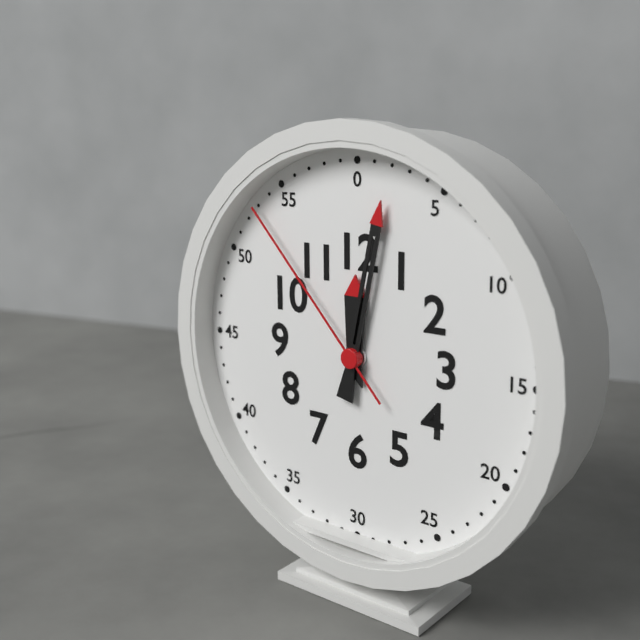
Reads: 12.02.53
